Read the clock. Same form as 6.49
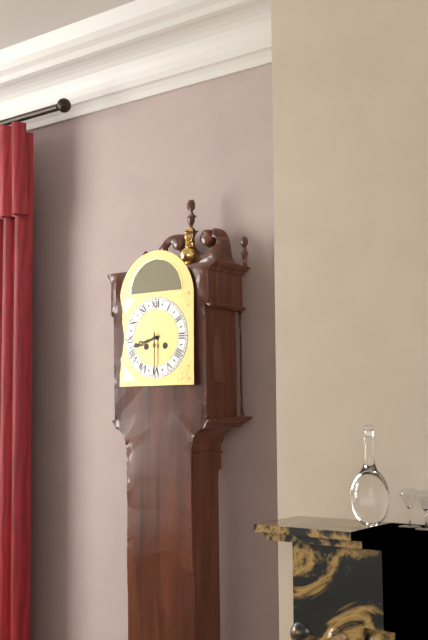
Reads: 8.30
